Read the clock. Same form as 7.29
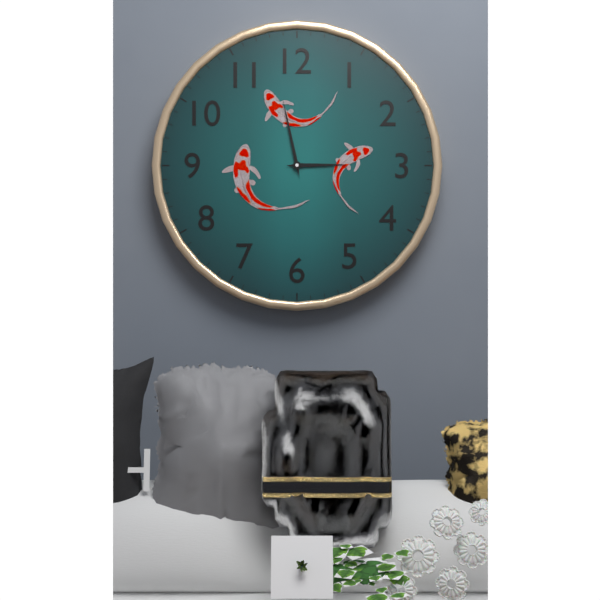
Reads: 2.58
